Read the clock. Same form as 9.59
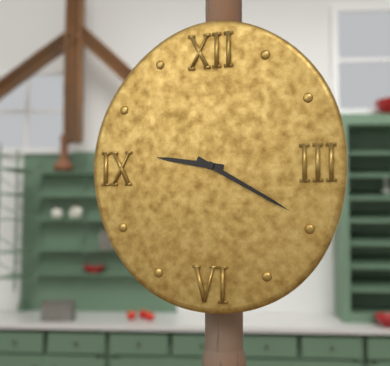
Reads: 9.20
